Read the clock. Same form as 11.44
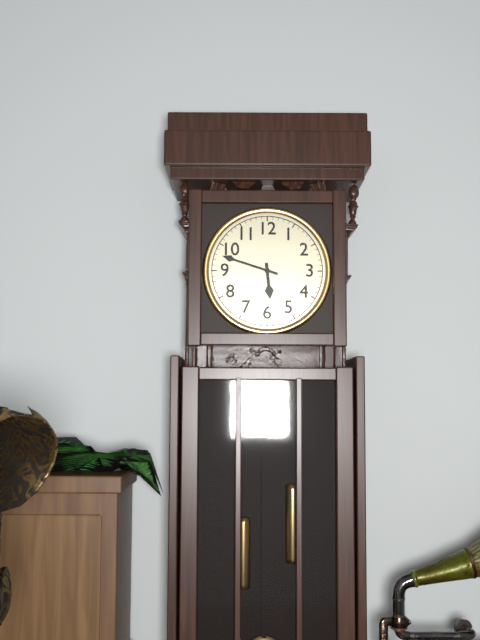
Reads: 5.48
